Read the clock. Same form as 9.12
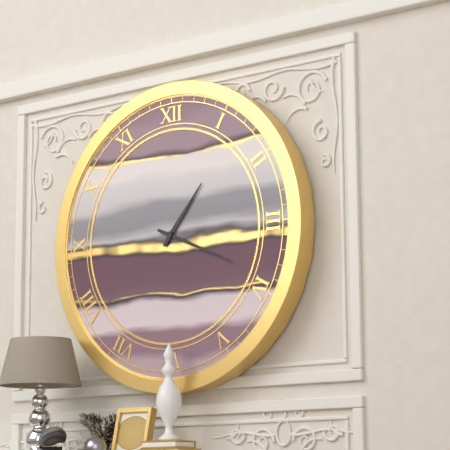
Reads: 1.19
